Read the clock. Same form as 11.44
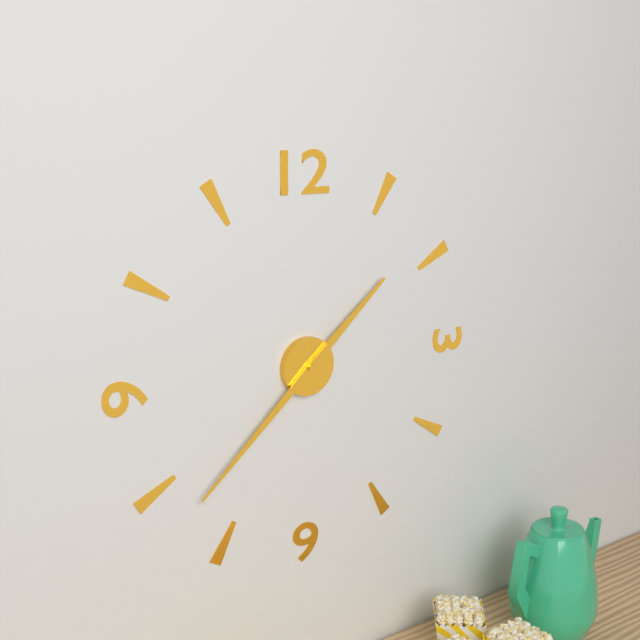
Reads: 1.38
